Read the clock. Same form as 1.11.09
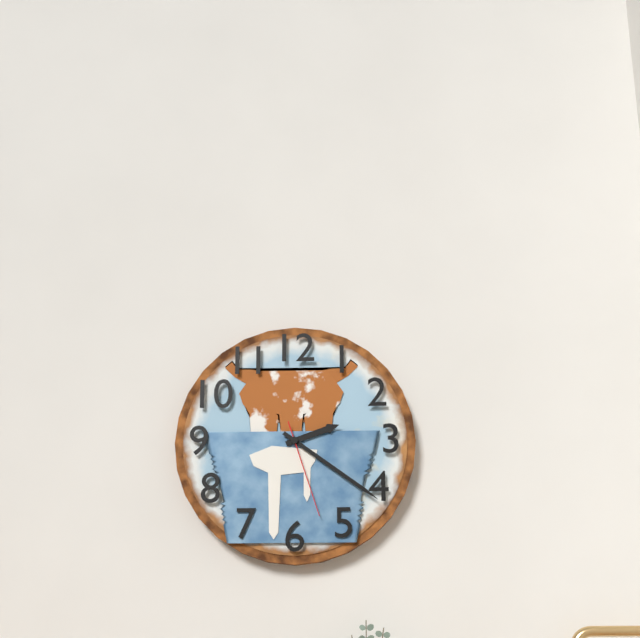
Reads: 2.21.27
